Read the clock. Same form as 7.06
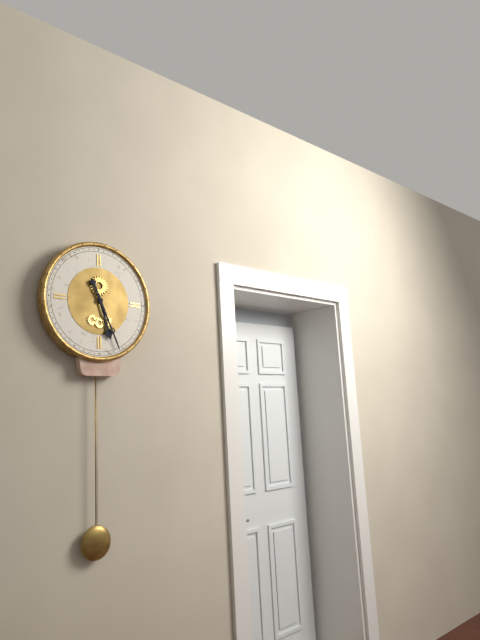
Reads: 5.26
